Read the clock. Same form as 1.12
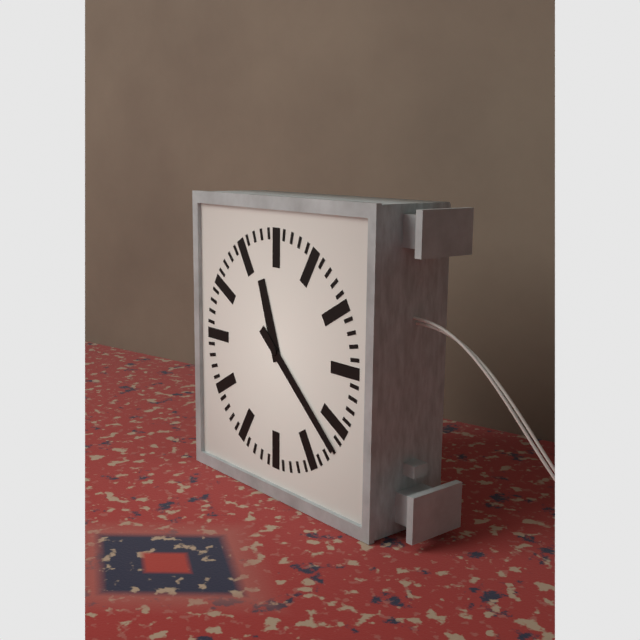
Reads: 11.22
